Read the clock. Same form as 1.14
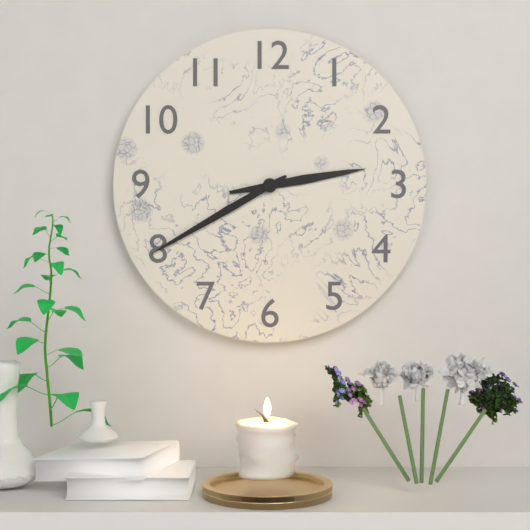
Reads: 2.40
